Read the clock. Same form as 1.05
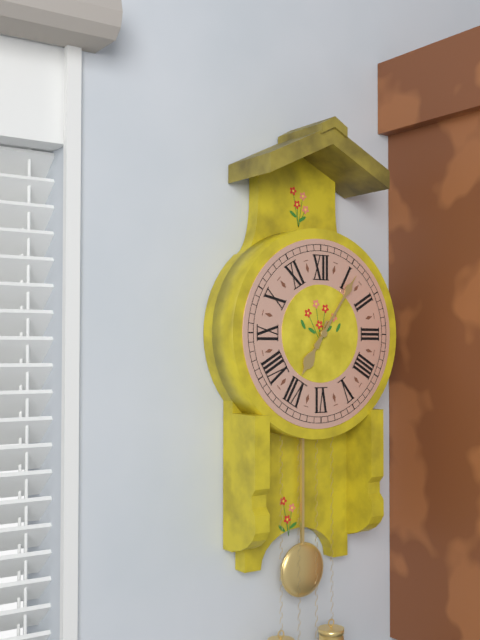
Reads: 7.06
